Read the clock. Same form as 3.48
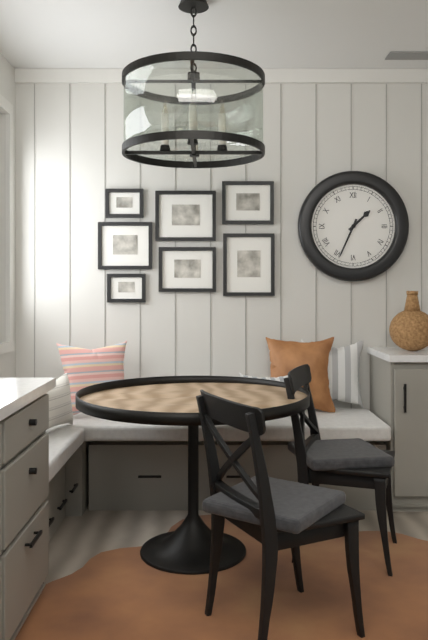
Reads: 1.34
